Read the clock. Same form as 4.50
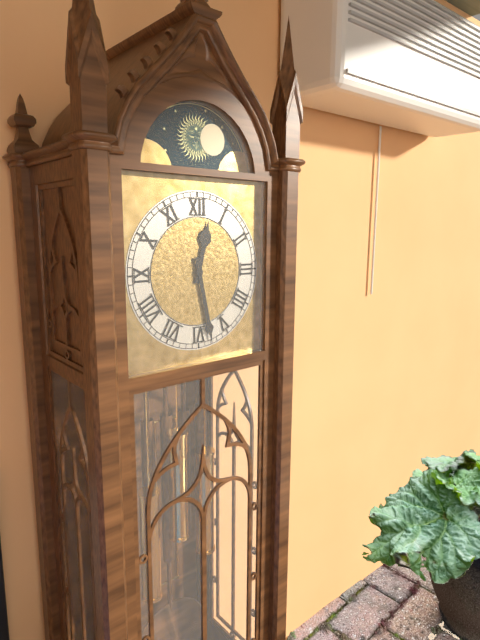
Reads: 12.28
